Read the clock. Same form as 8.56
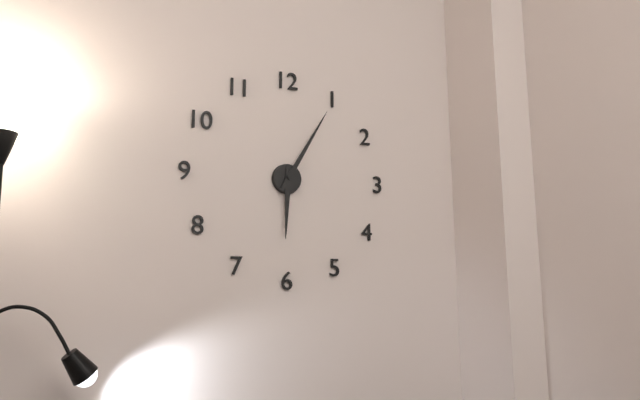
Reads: 6.05
